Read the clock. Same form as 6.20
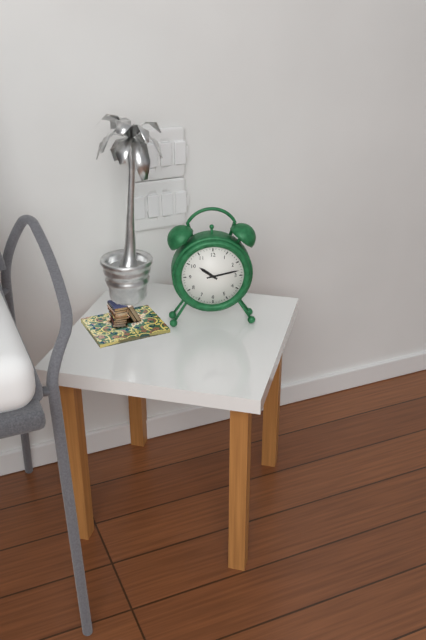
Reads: 10.13
